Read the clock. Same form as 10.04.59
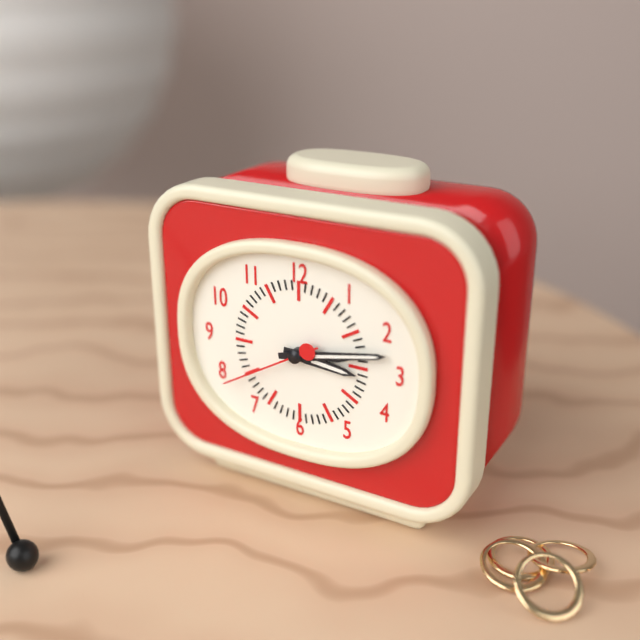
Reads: 3.13.40
